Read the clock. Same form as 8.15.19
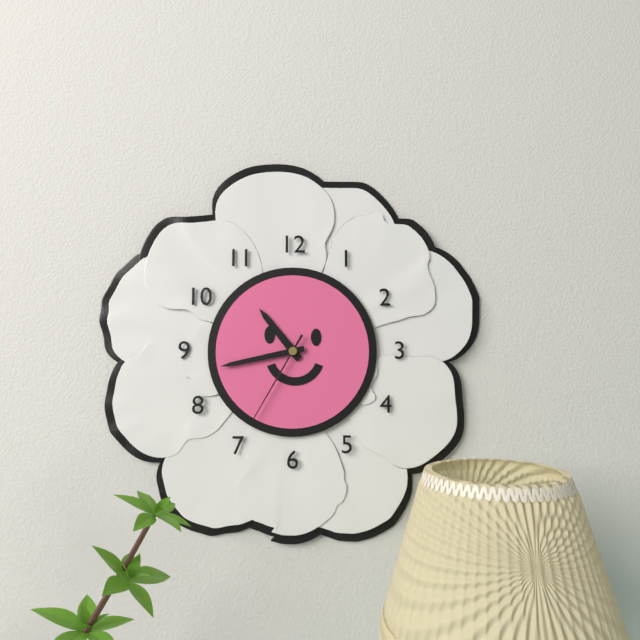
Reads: 10.43.35
